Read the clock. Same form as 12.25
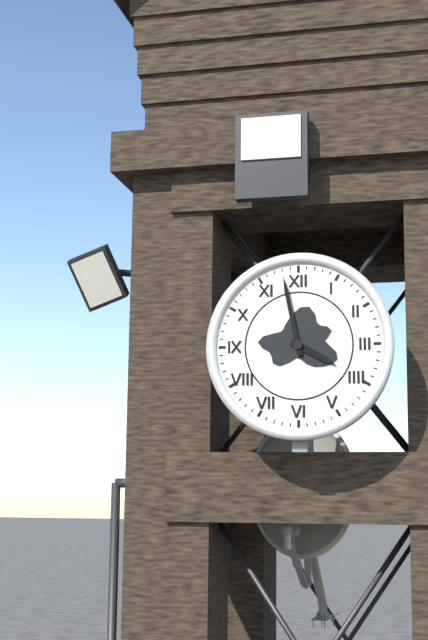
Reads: 3.58
